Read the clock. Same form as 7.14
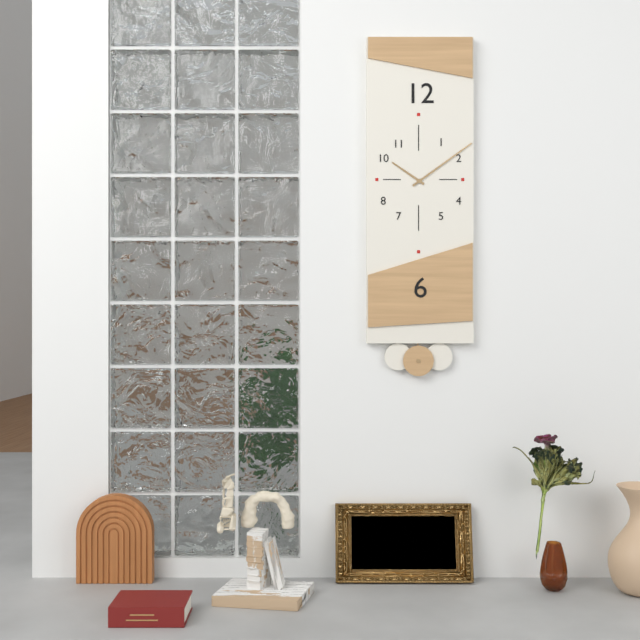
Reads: 10.09
